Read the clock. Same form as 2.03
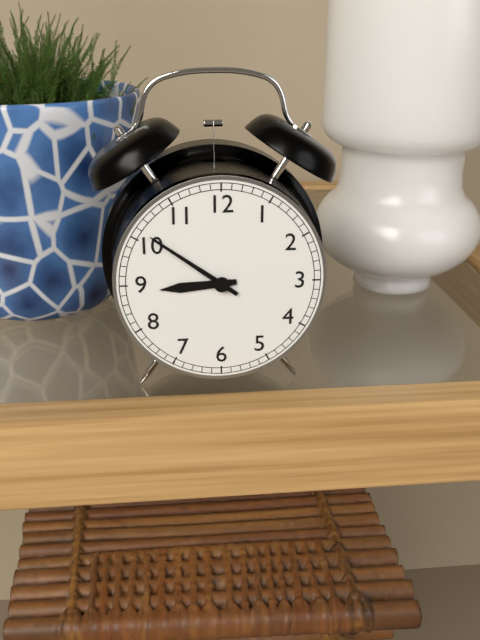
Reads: 8.51
